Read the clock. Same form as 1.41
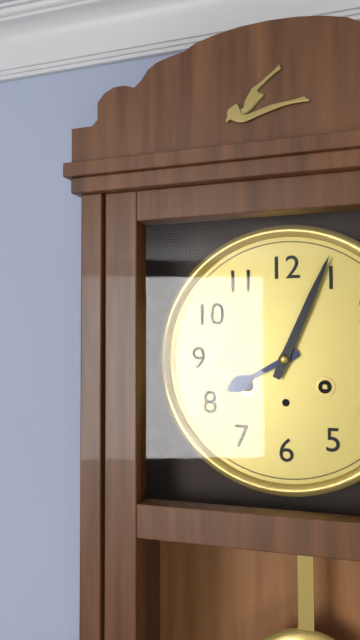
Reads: 8.04
